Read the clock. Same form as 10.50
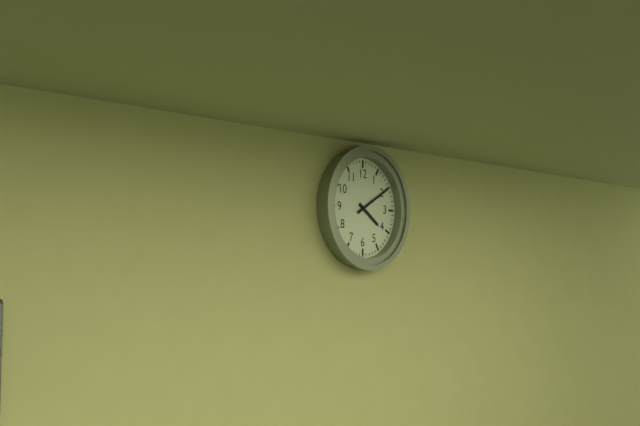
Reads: 4.10
